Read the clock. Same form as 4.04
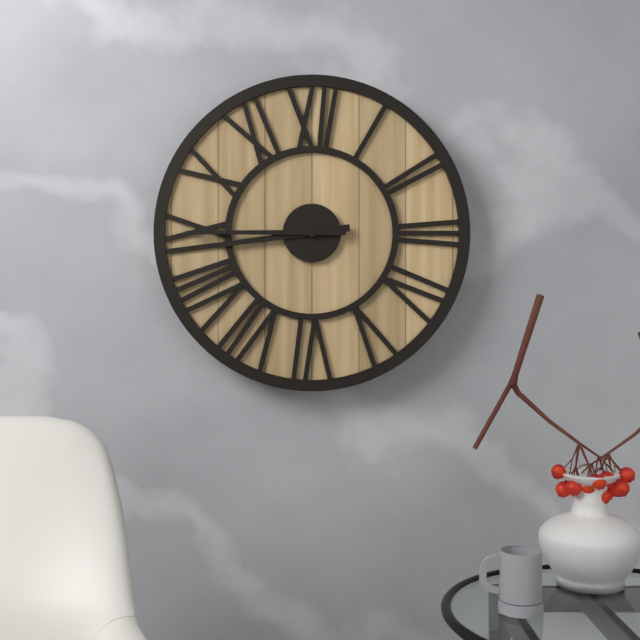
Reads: 8.45
